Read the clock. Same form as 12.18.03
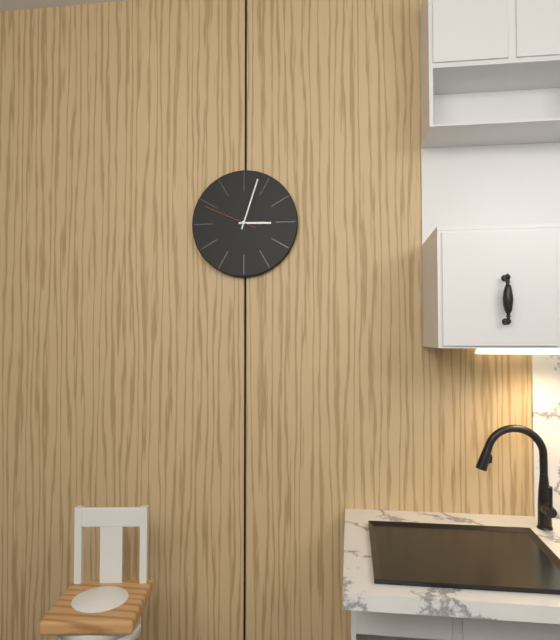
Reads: 3.03.49
